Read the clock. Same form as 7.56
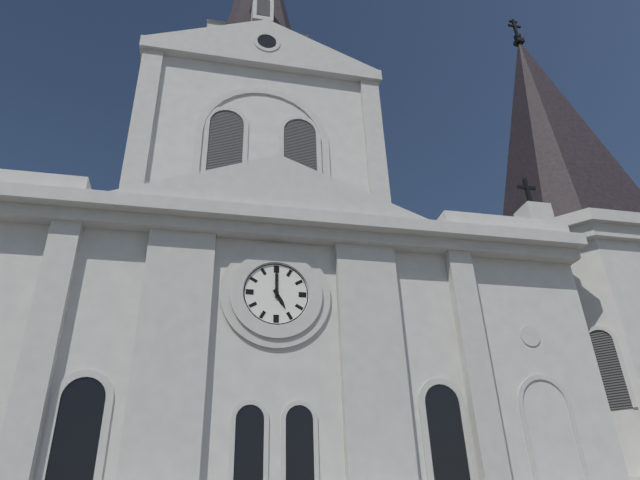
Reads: 5.00
